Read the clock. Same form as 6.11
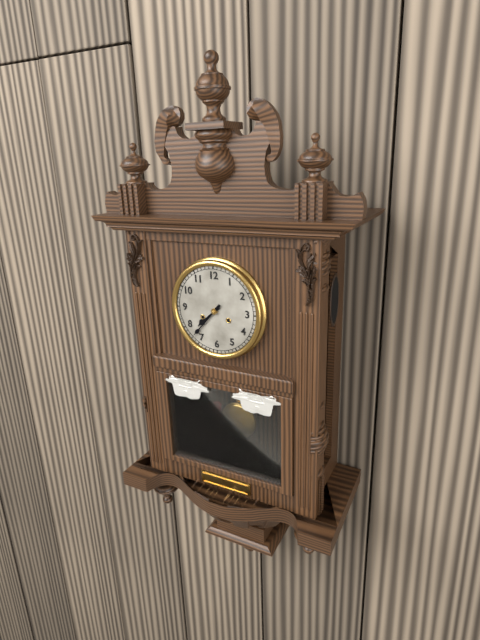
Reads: 7.37
